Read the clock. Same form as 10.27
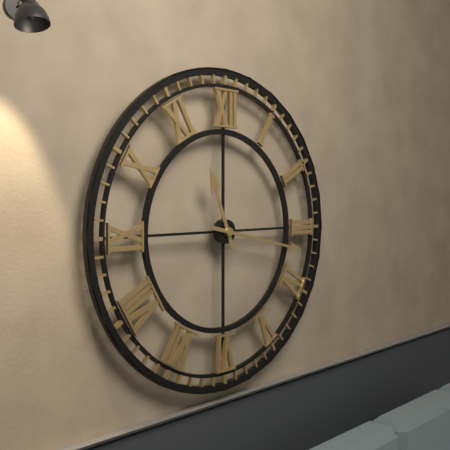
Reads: 11.17
